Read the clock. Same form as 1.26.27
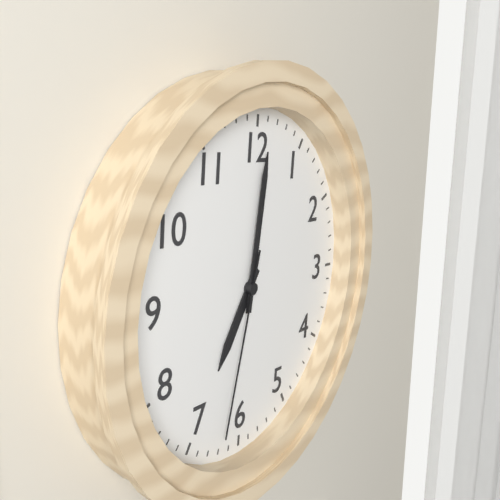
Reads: 7.01.32
